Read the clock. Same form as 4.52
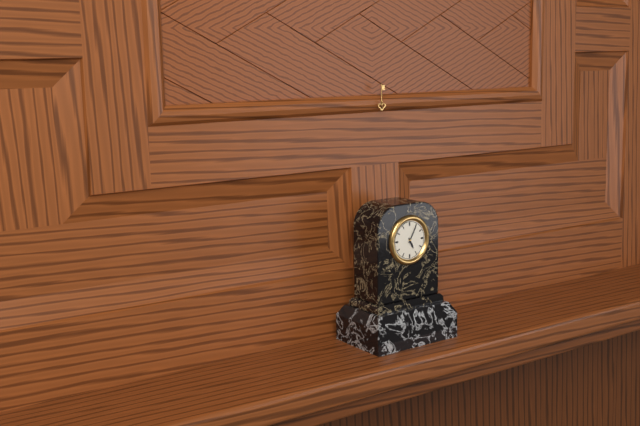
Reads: 5.05
